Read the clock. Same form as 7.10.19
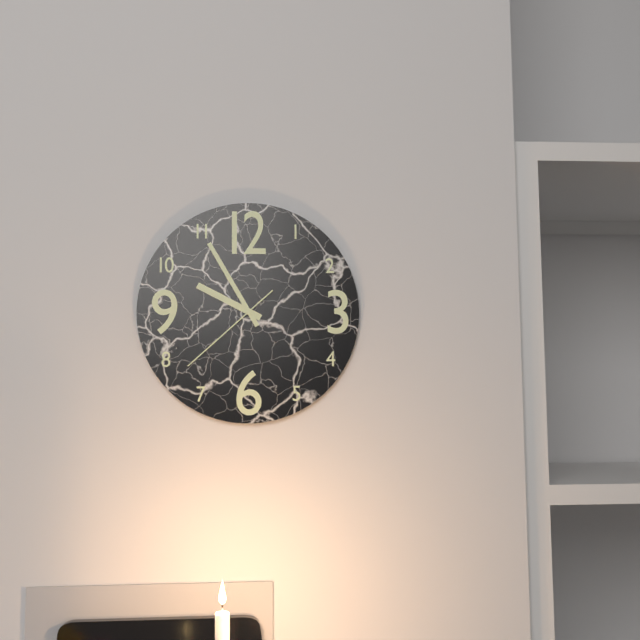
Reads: 9.55.38
